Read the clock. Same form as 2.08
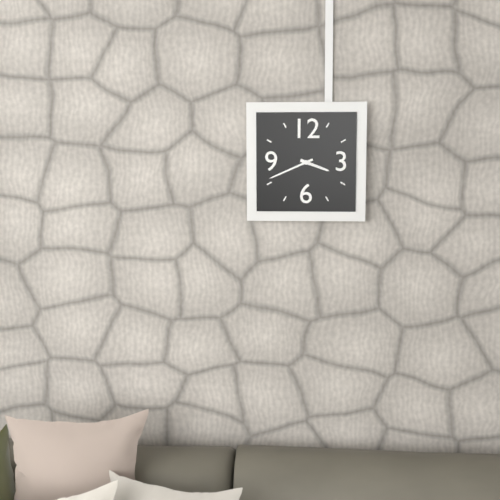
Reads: 3.41
